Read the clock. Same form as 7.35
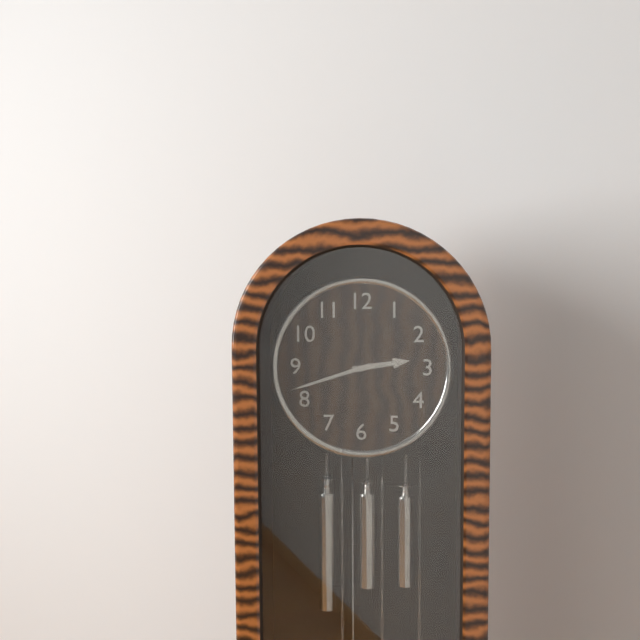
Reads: 2.42
